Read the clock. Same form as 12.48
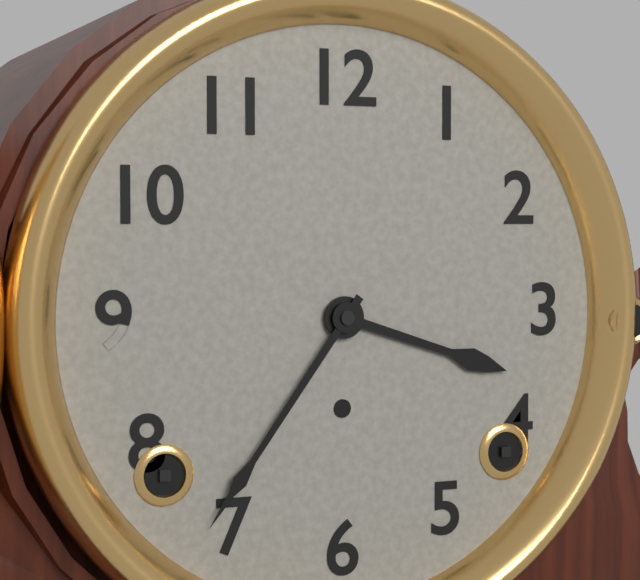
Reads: 3.36
